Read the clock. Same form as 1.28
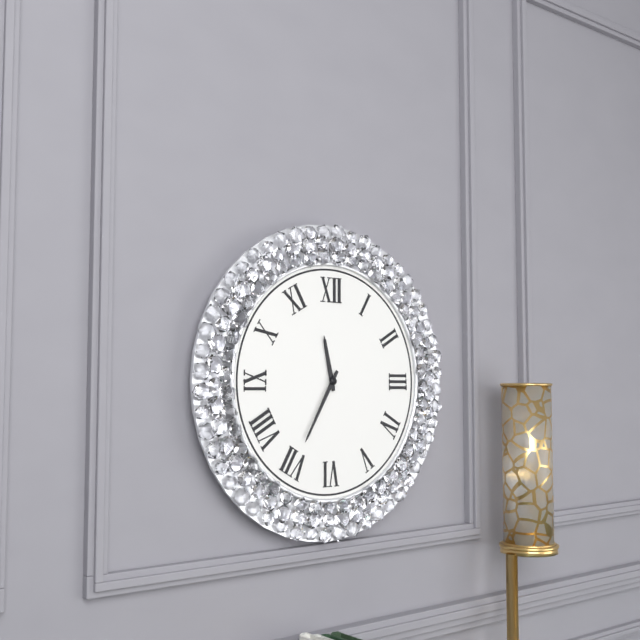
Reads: 11.35
